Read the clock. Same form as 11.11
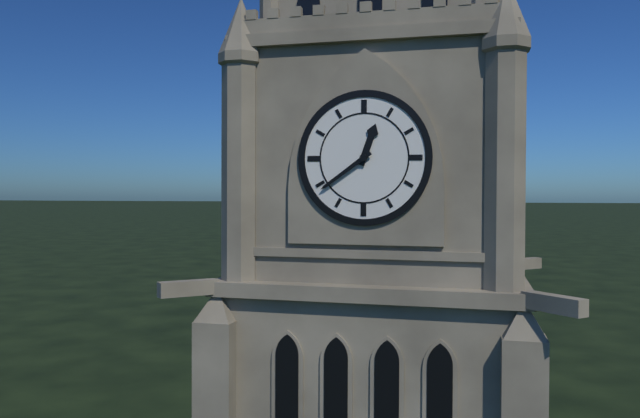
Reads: 12.39
